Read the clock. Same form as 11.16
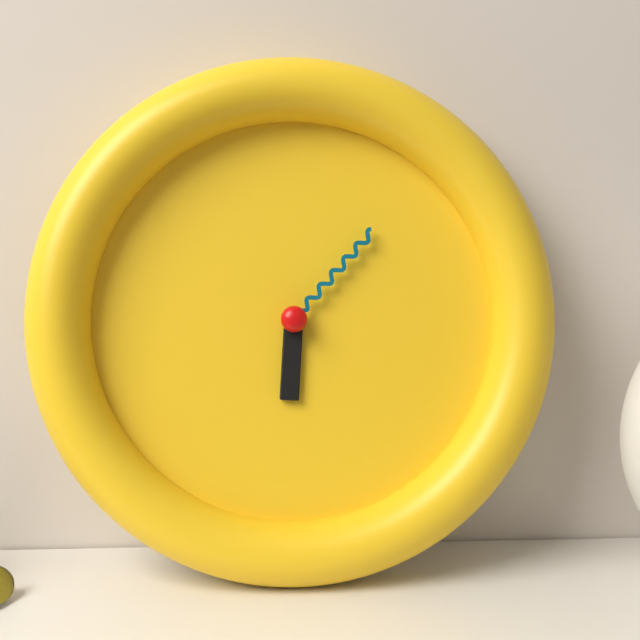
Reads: 6.07
